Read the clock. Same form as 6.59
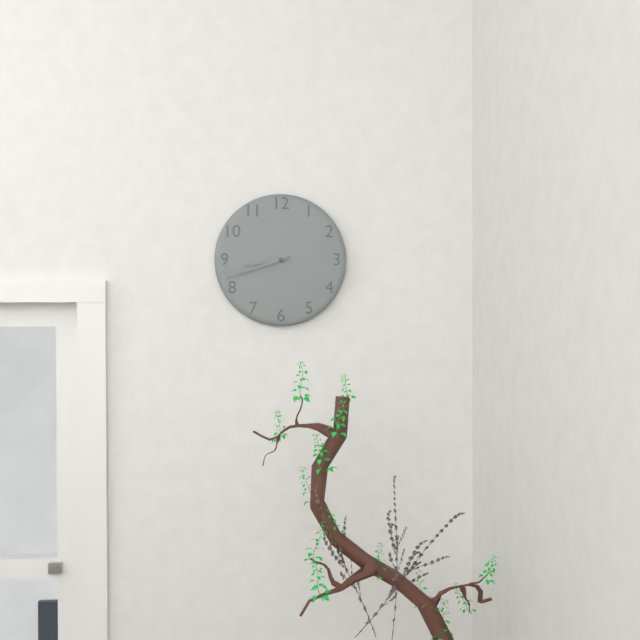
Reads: 8.42
